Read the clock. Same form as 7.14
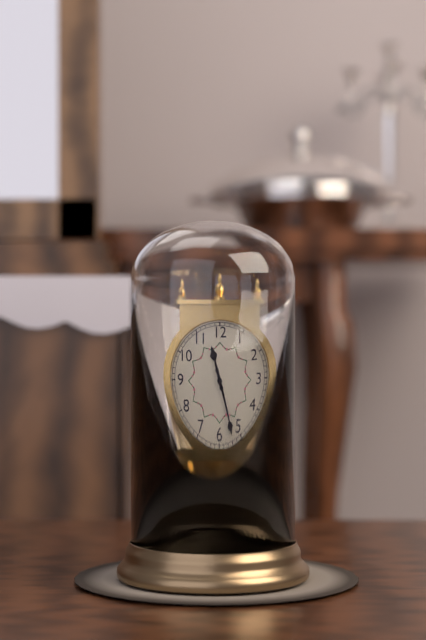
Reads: 11.27
